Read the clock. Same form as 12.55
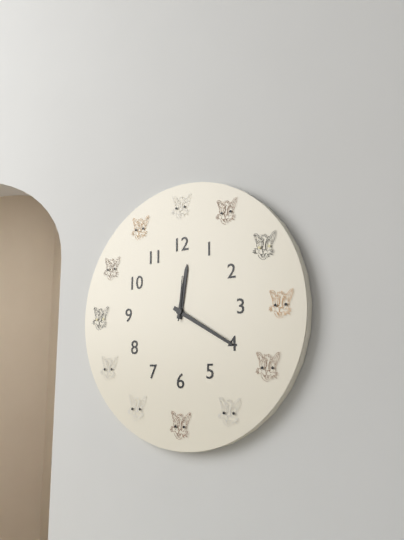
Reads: 12.20
